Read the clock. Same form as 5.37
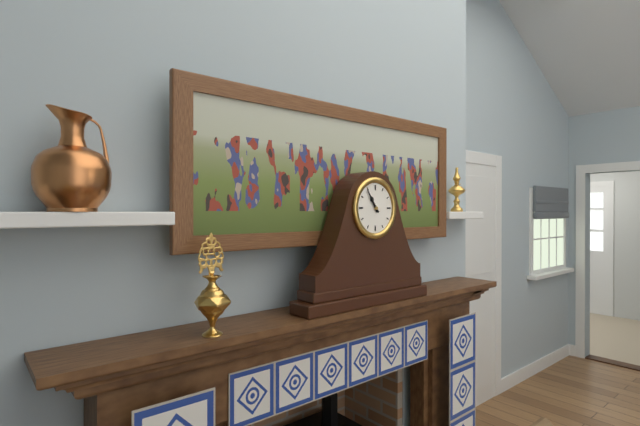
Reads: 10.54
